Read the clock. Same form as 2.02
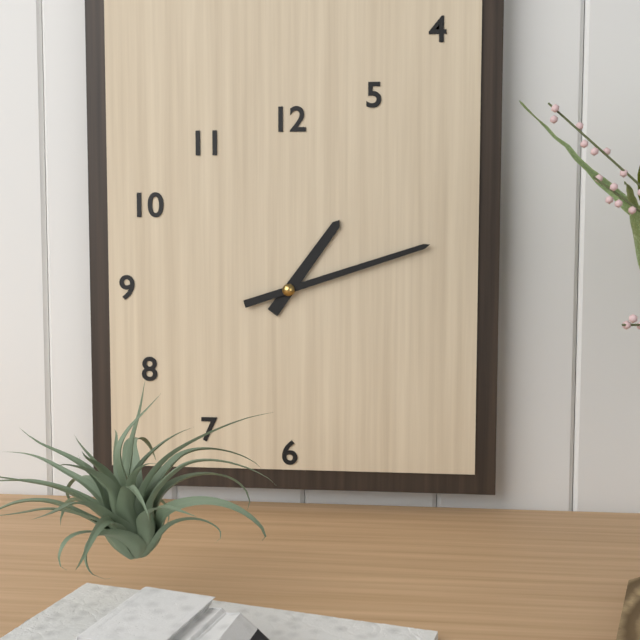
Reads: 1.12
